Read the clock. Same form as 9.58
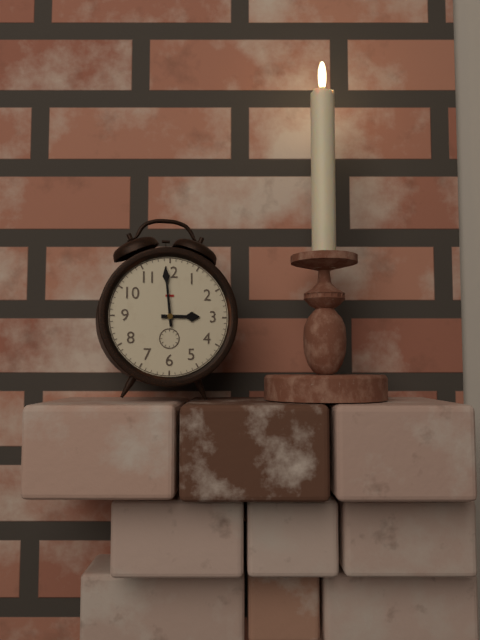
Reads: 2.59
